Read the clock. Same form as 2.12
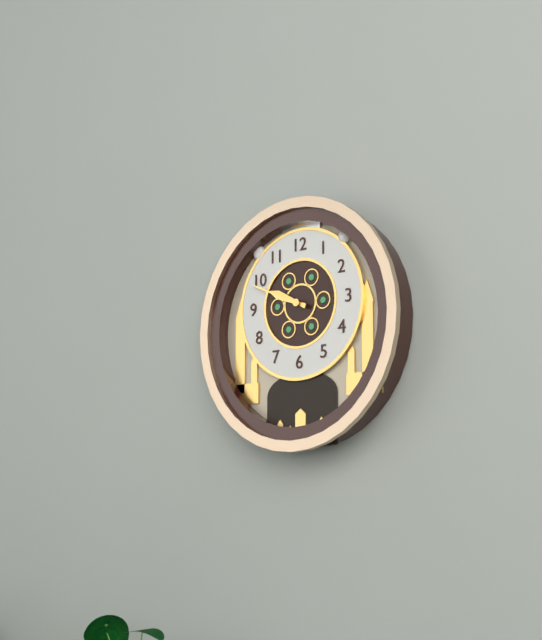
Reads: 9.49
